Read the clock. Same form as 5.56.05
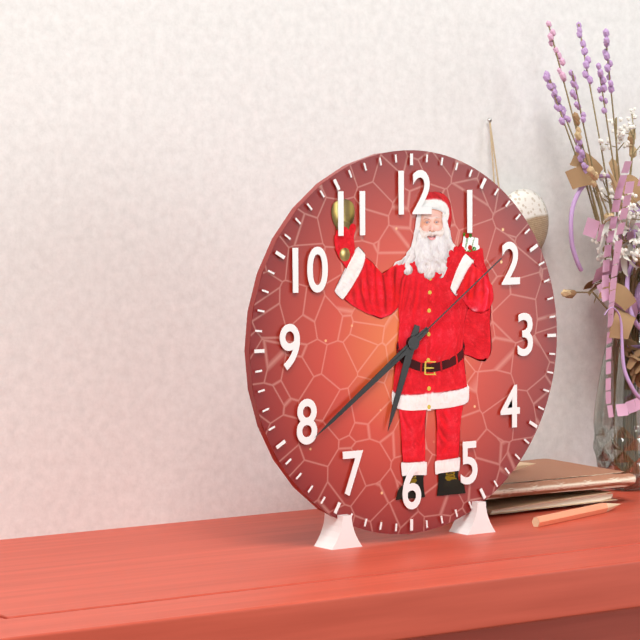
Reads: 6.39.09
